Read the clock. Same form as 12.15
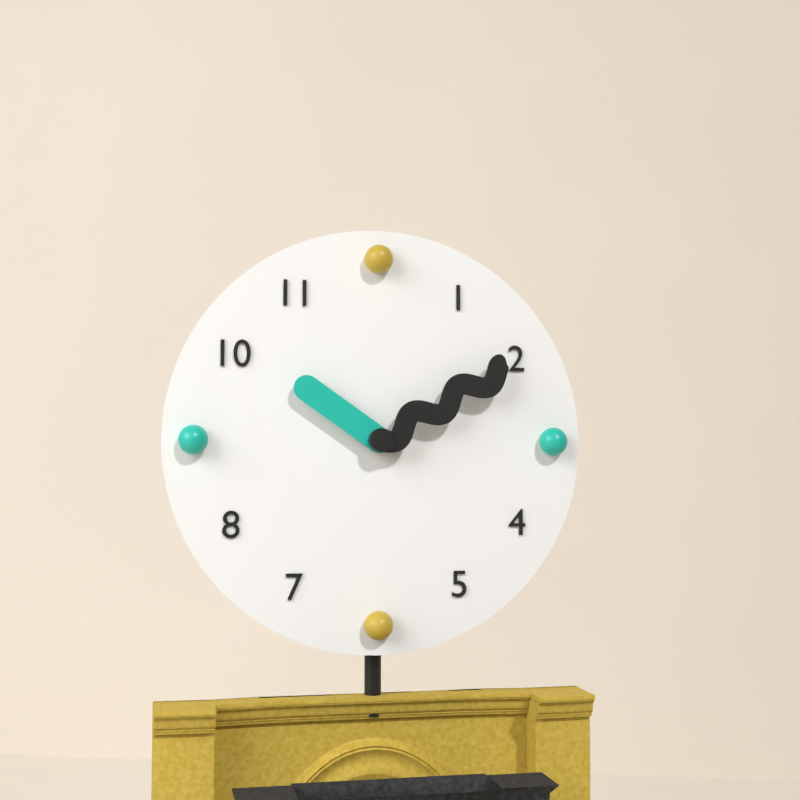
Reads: 10.10
